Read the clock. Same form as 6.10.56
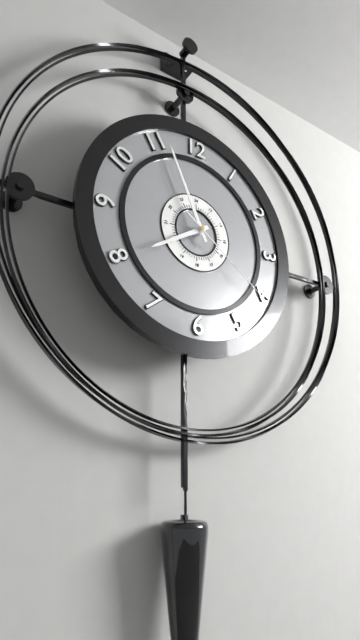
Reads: 7.56.21
